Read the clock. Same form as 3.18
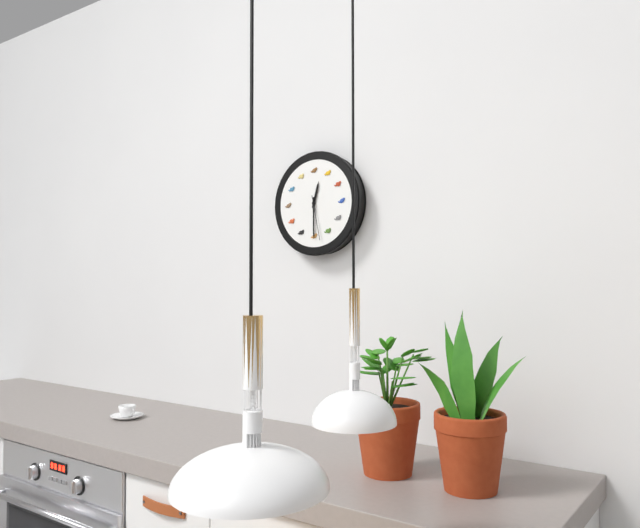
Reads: 12.30
